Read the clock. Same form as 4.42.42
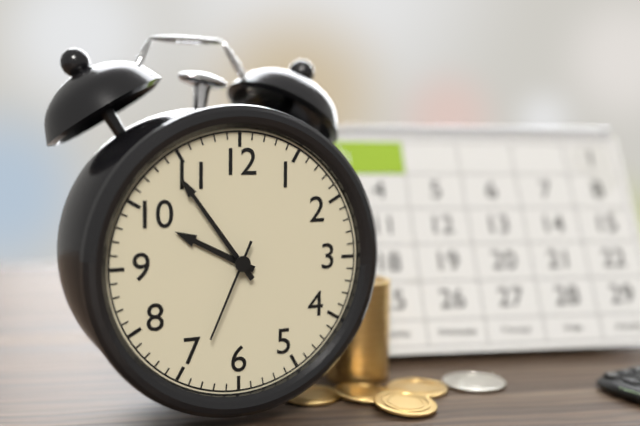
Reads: 9.54.34
